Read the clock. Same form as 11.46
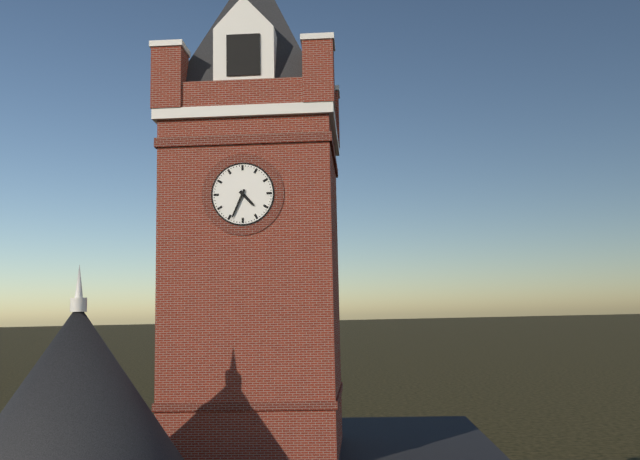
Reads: 4.34
